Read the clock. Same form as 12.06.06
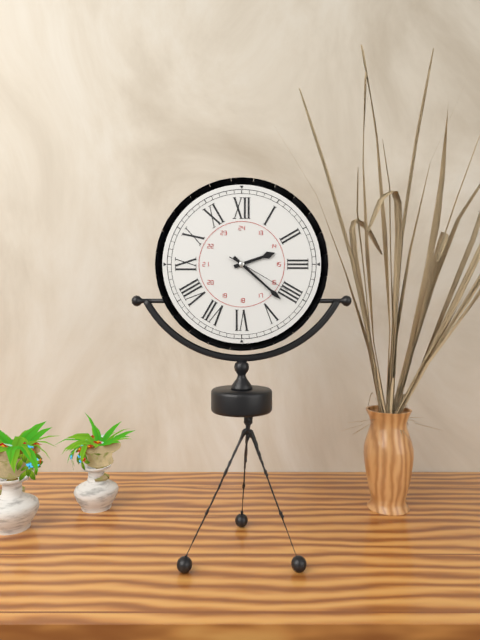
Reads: 2.22.20
